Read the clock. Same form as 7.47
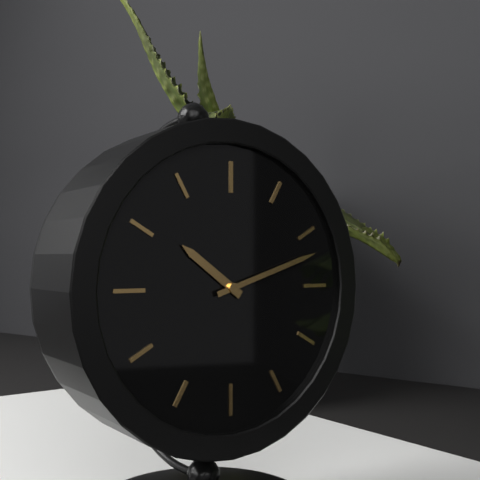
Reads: 10.12
